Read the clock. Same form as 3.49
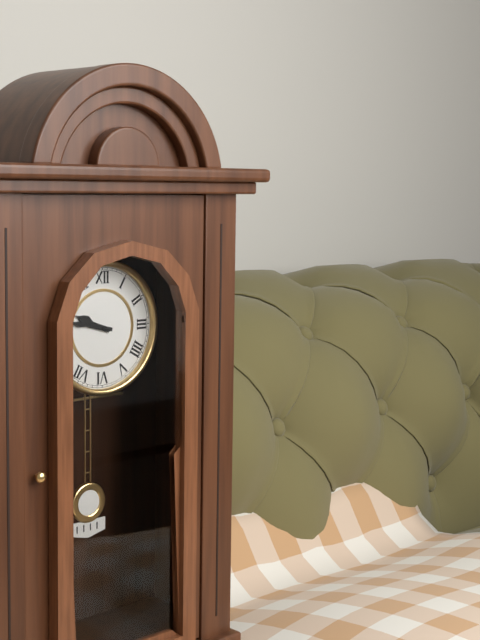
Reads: 9.47
